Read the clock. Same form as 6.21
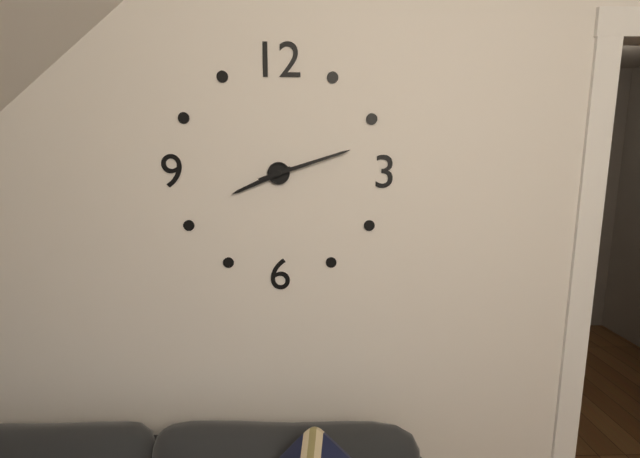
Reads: 8.12
